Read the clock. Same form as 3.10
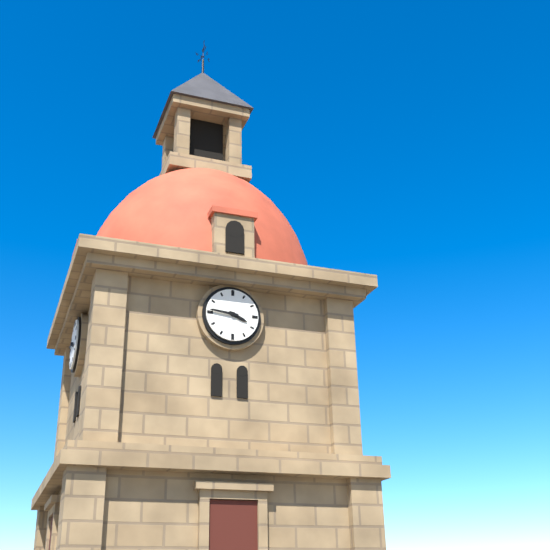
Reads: 3.46
